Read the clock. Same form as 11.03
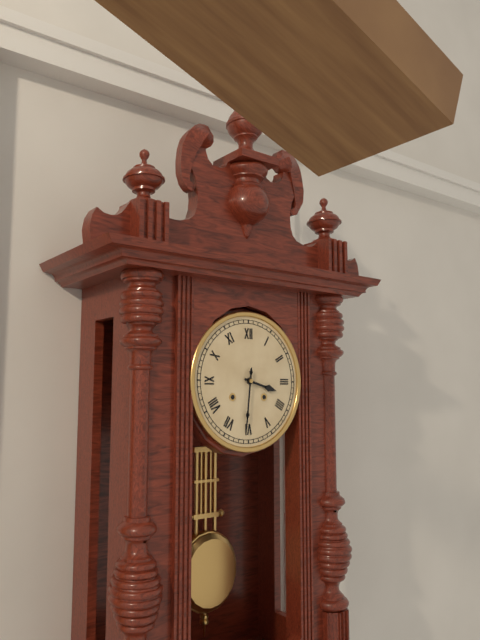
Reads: 3.31
